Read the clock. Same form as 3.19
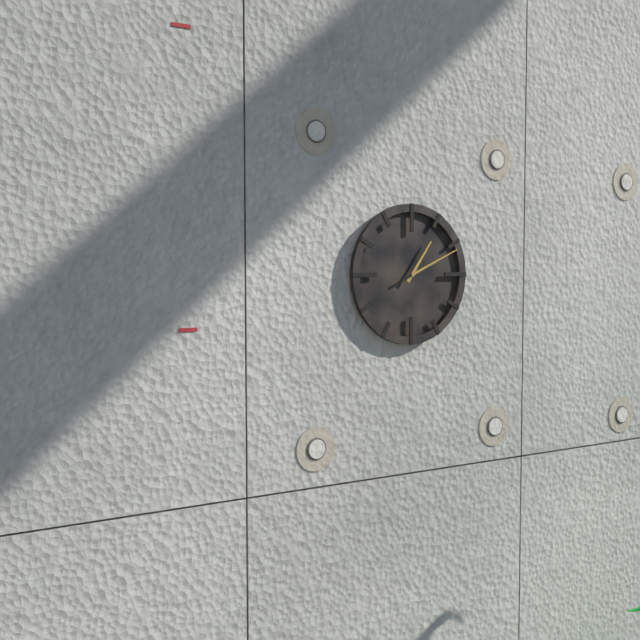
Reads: 1.11
